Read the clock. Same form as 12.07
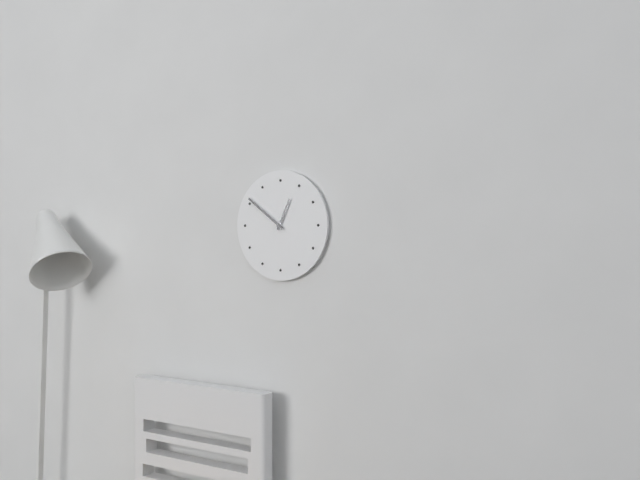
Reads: 12.51
